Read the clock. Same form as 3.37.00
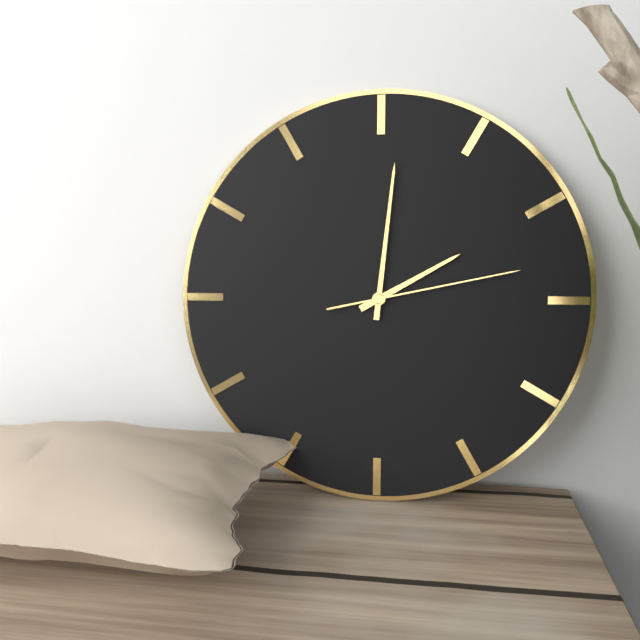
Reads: 2.01.13
